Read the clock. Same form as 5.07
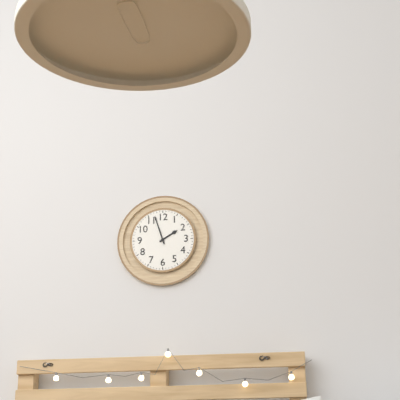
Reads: 1.57
